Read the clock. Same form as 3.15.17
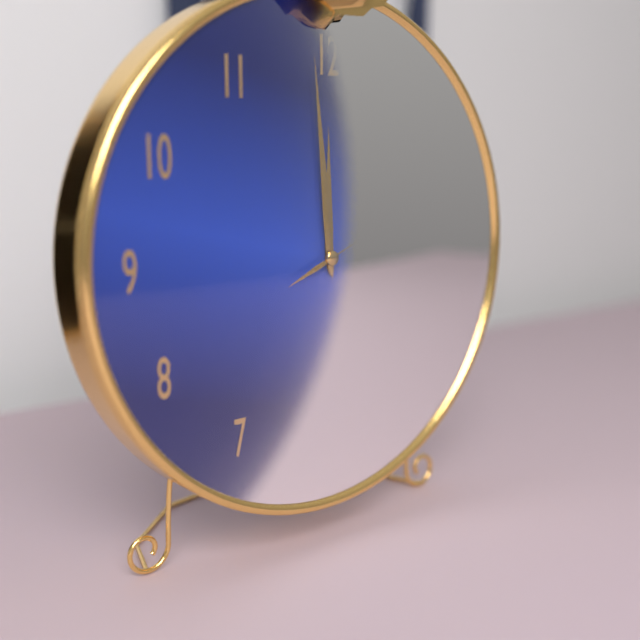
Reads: 11.59.11
